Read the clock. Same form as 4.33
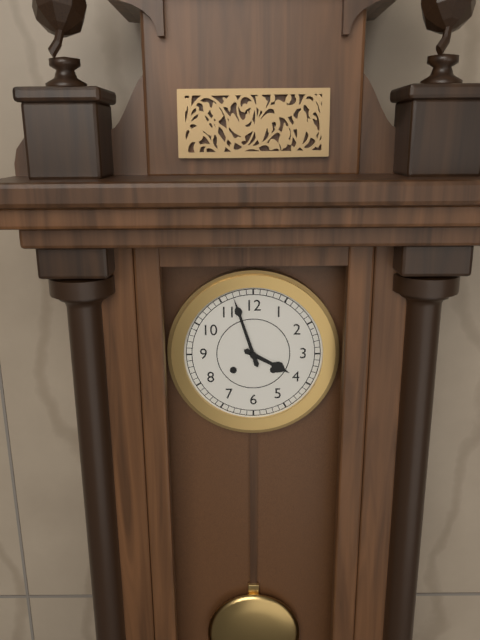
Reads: 3.57
